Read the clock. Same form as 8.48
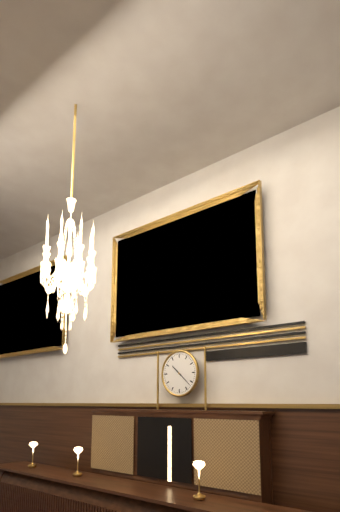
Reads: 10.22
